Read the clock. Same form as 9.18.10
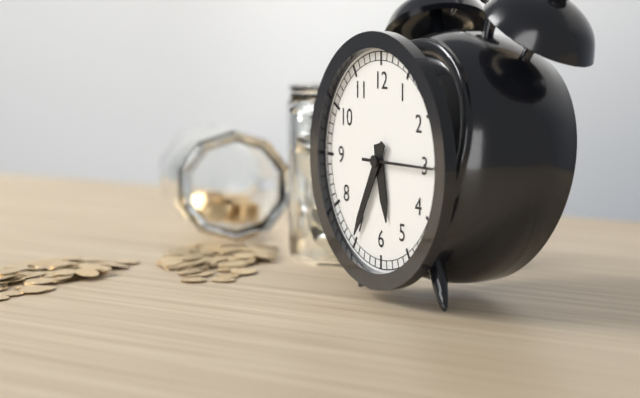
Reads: 5.35.15
